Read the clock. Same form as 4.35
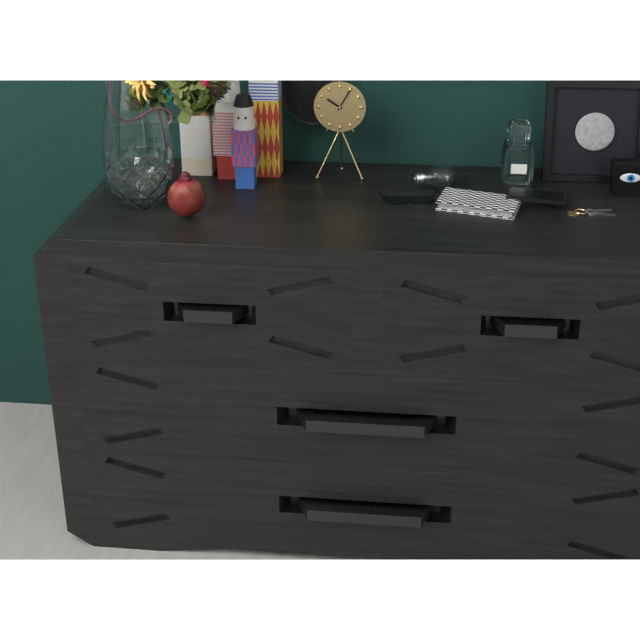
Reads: 10.05
